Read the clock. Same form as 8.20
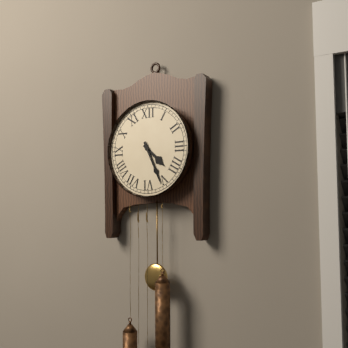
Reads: 4.26
